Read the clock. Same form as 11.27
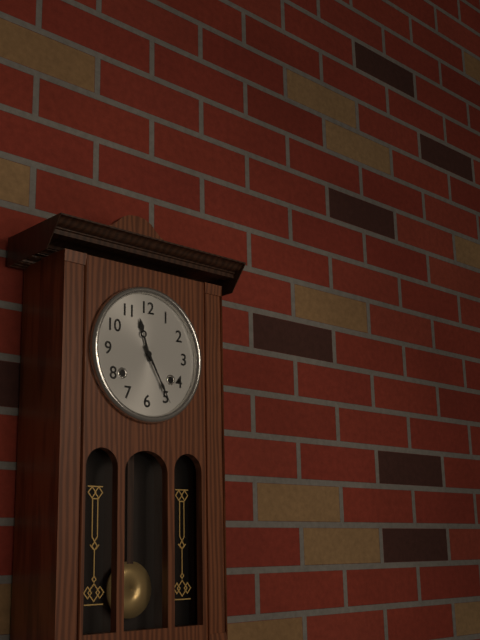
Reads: 11.25
